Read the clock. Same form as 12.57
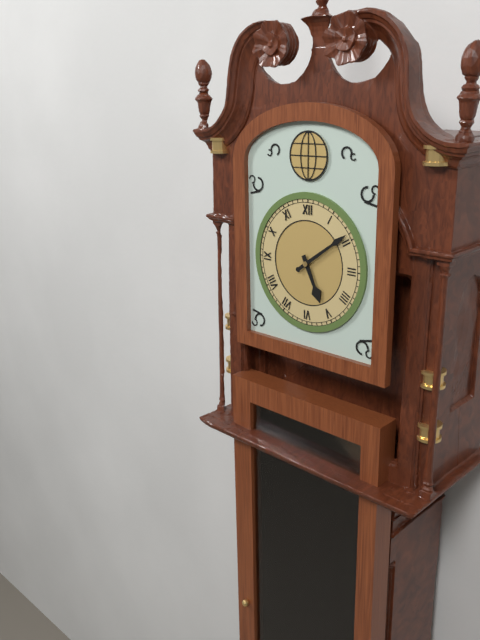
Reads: 5.09
